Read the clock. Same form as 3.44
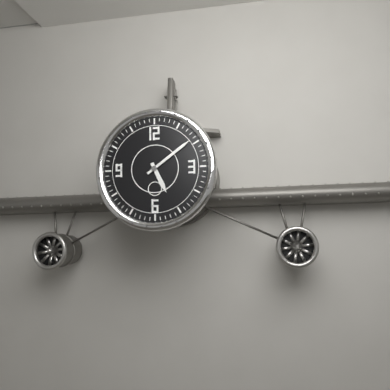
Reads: 5.09
